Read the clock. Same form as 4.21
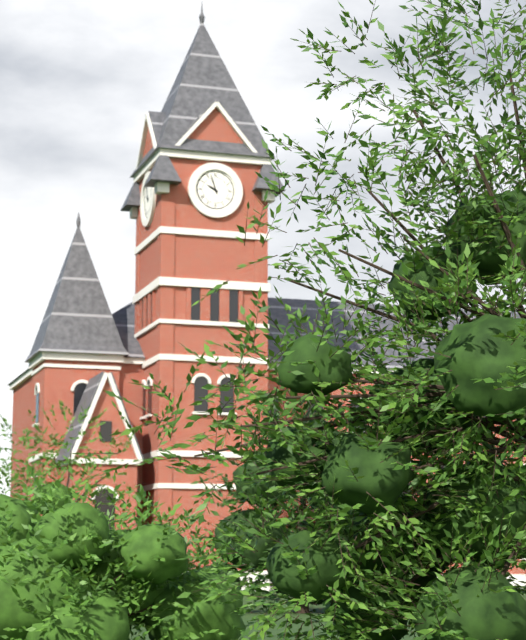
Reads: 9.57
